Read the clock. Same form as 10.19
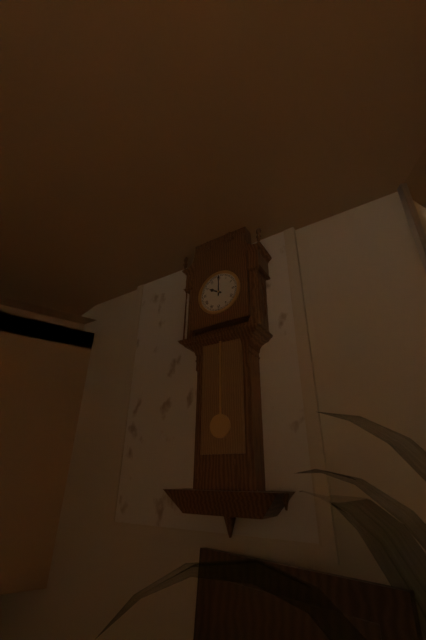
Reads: 10.00
